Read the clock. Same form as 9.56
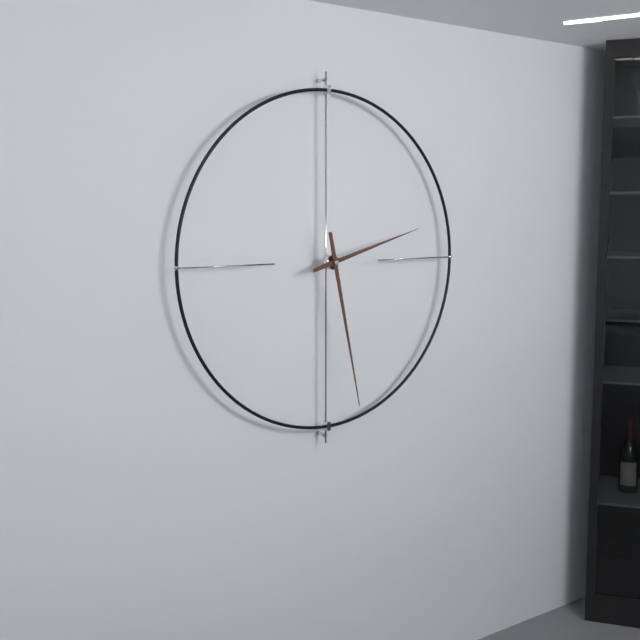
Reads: 2.28
